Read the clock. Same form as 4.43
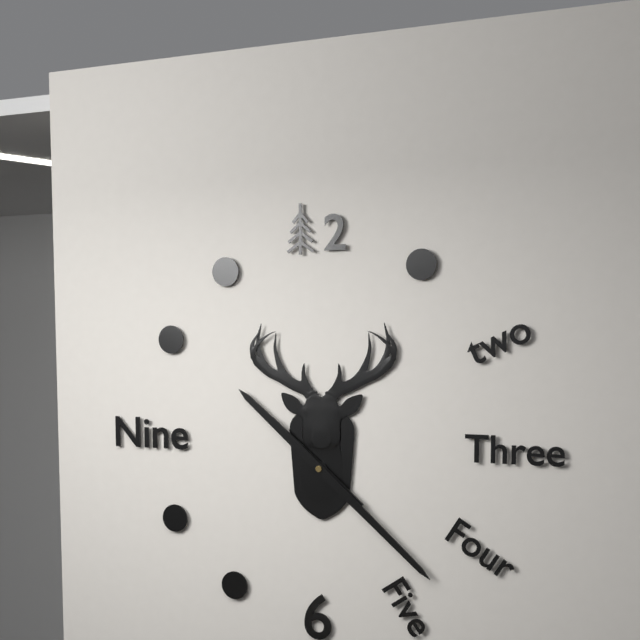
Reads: 10.22
